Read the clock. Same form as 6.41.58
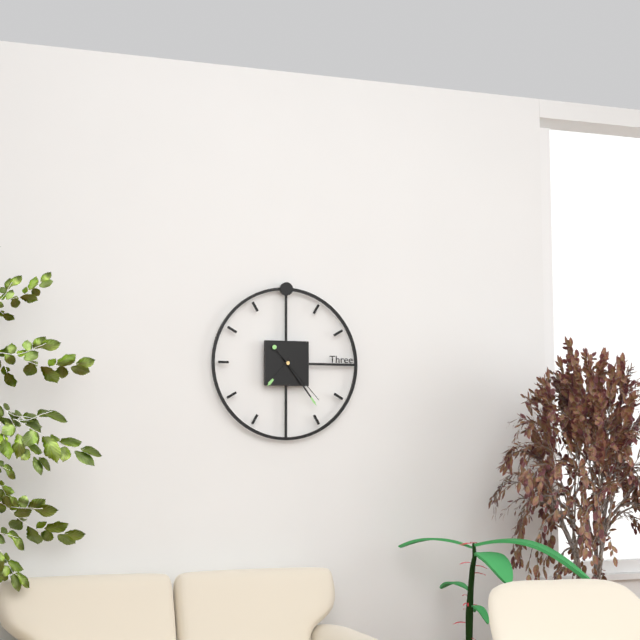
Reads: 7.24.23
